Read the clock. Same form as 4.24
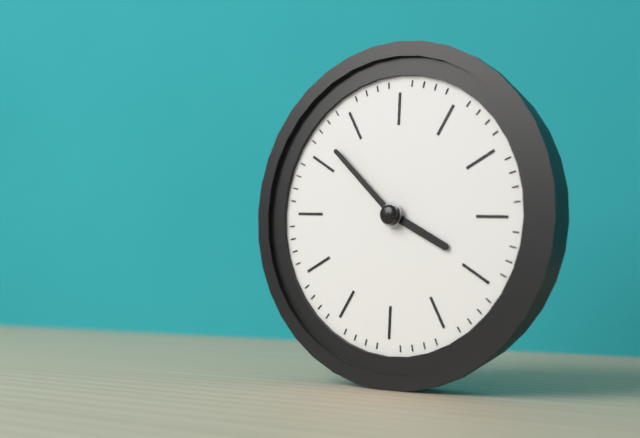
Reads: 3.52
